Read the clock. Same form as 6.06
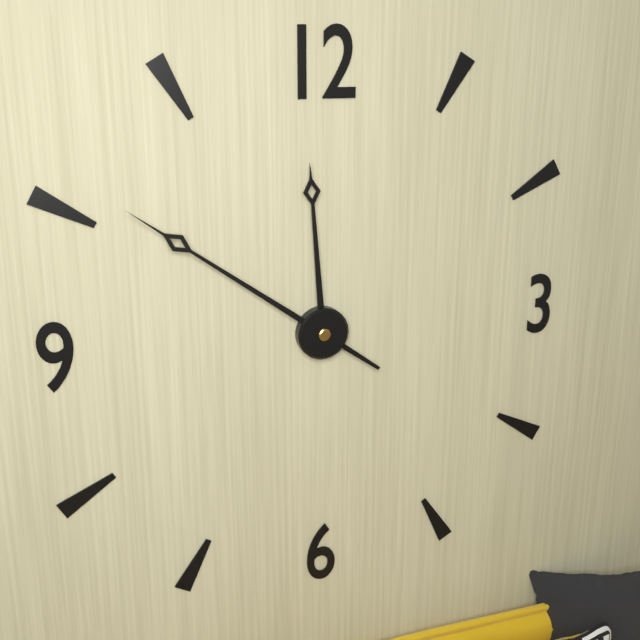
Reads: 11.51
